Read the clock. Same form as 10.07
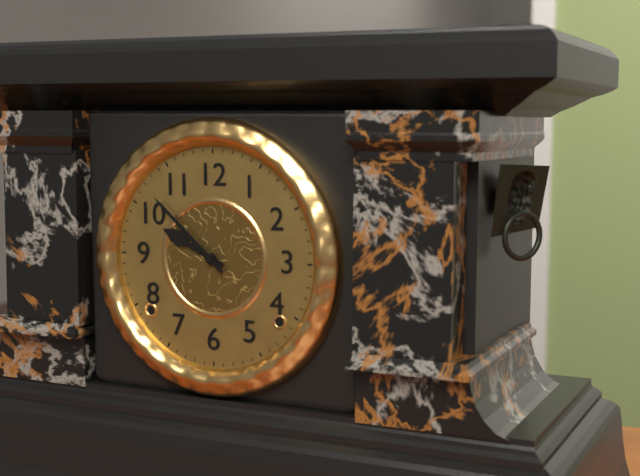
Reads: 9.52
